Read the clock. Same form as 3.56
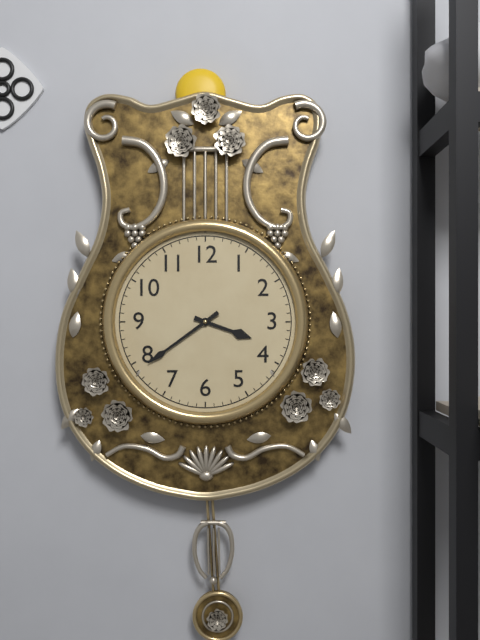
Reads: 3.39
